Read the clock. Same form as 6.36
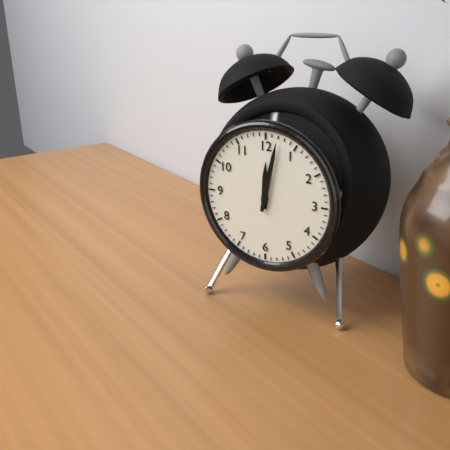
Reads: 12.02
